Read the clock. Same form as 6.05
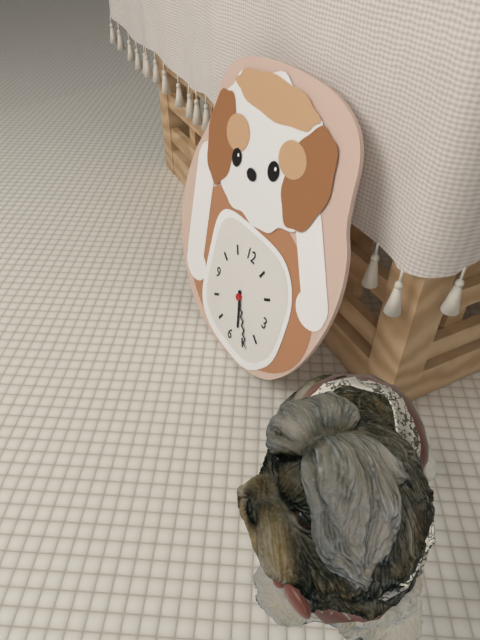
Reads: 5.24
